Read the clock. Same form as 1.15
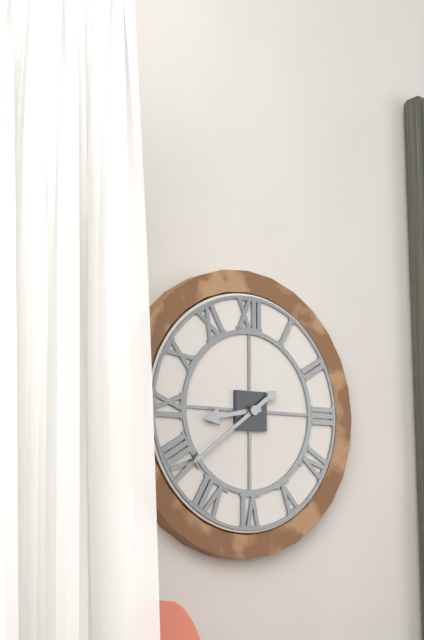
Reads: 8.39
